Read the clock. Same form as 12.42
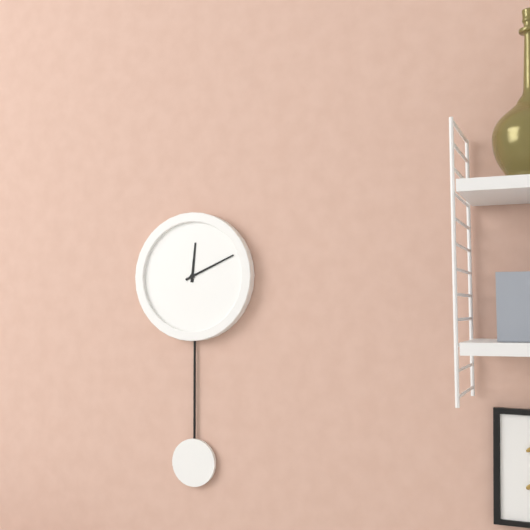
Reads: 12.11
